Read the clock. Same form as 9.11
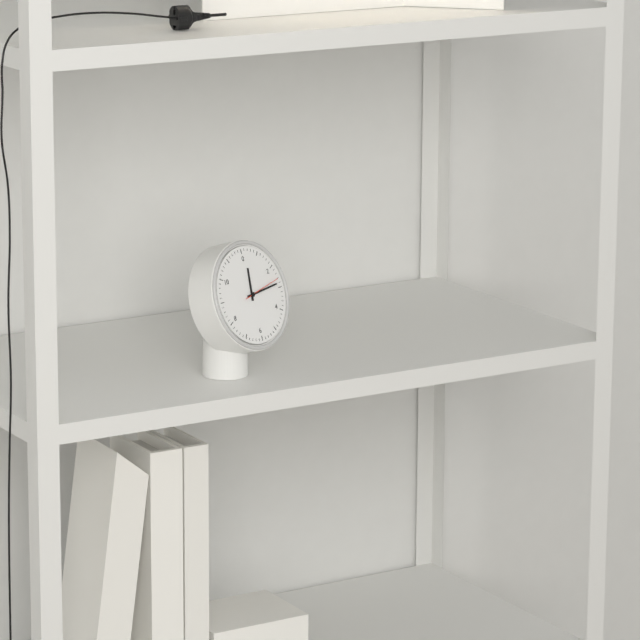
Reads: 12.14
